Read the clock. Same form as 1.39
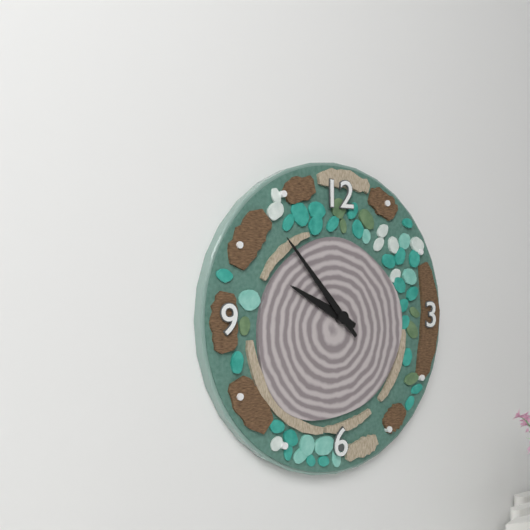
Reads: 9.53
